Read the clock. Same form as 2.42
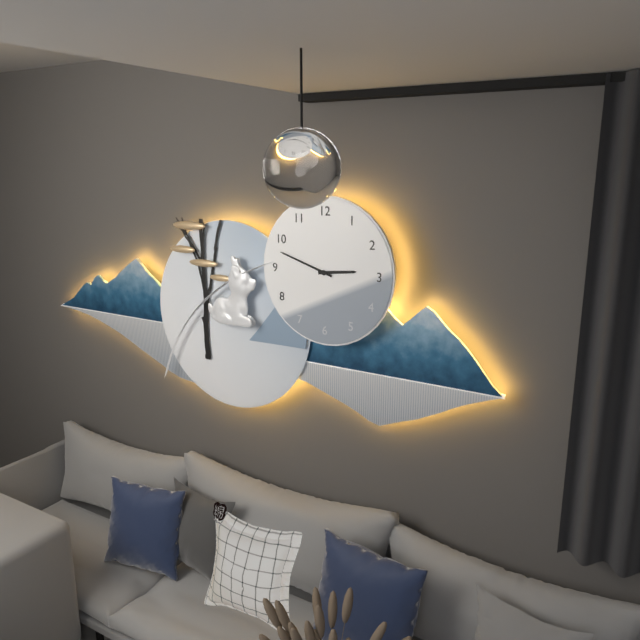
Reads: 2.48
